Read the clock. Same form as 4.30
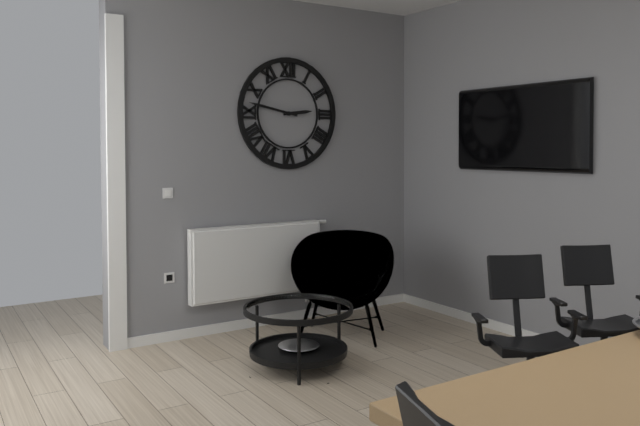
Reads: 2.47
